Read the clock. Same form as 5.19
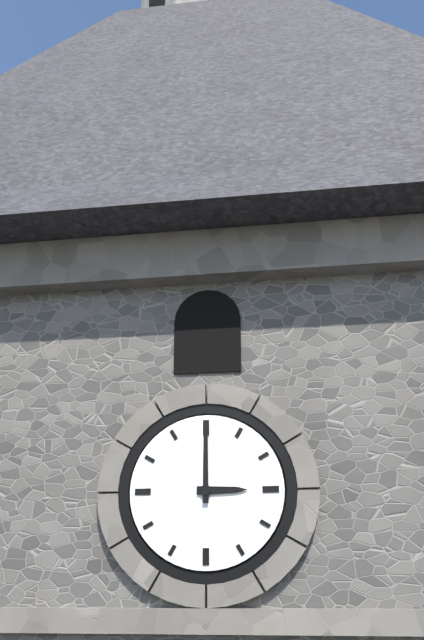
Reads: 3.00
